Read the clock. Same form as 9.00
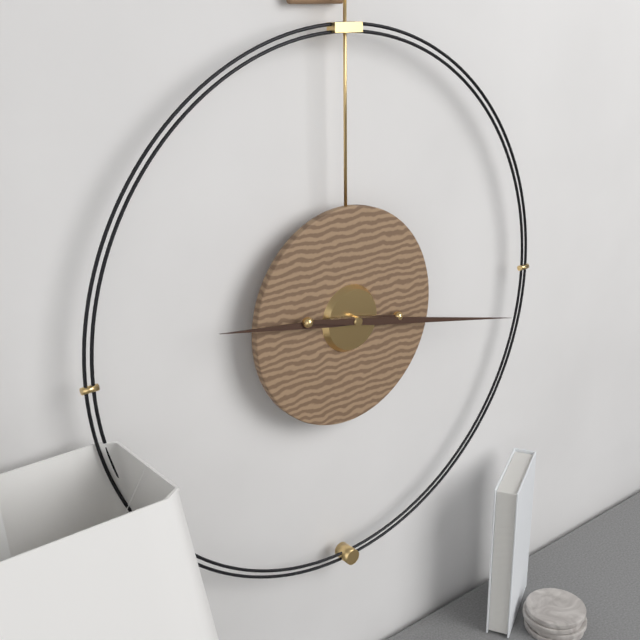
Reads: 9.17
